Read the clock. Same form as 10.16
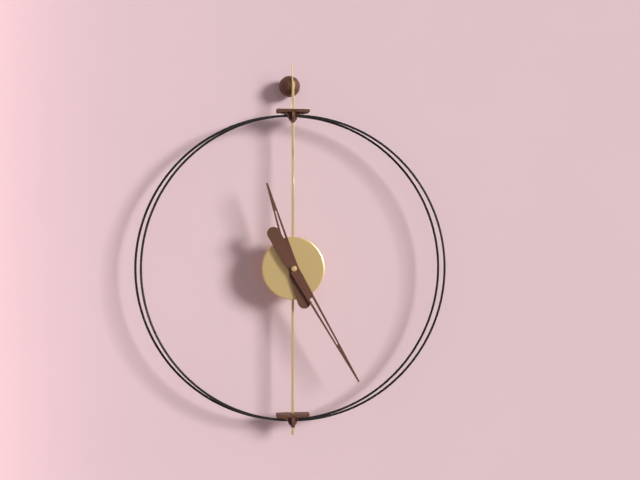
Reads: 11.25
